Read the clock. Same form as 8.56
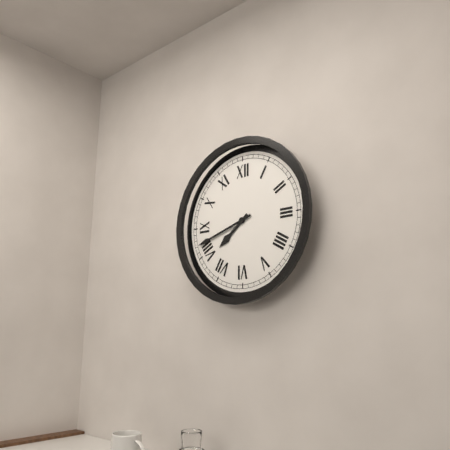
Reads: 7.42
